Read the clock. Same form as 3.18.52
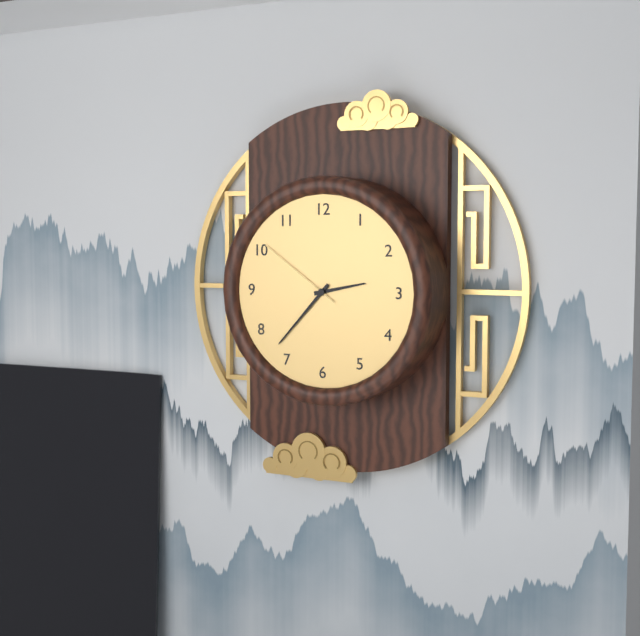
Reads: 2.37.51
